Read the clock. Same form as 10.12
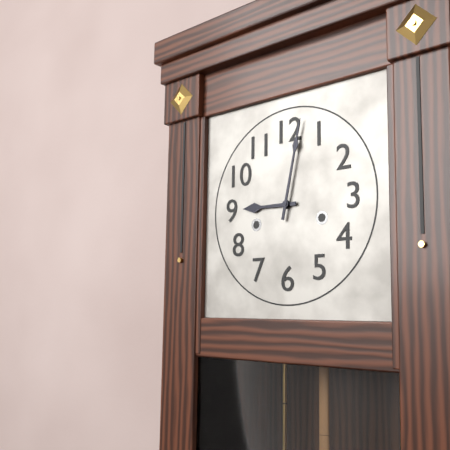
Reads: 9.02
